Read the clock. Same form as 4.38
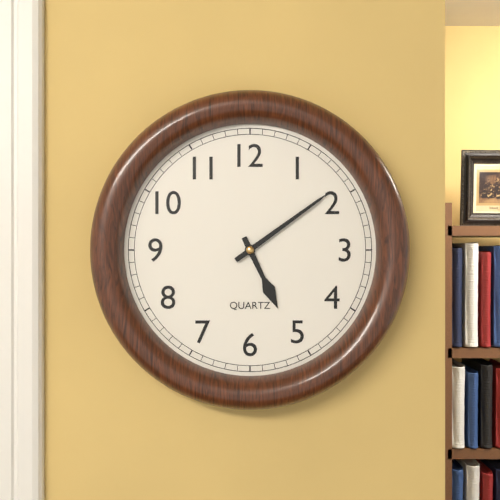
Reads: 5.09
